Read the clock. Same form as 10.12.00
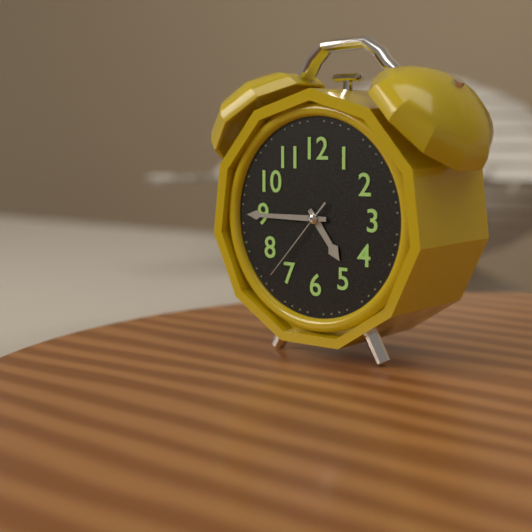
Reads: 4.45.37
